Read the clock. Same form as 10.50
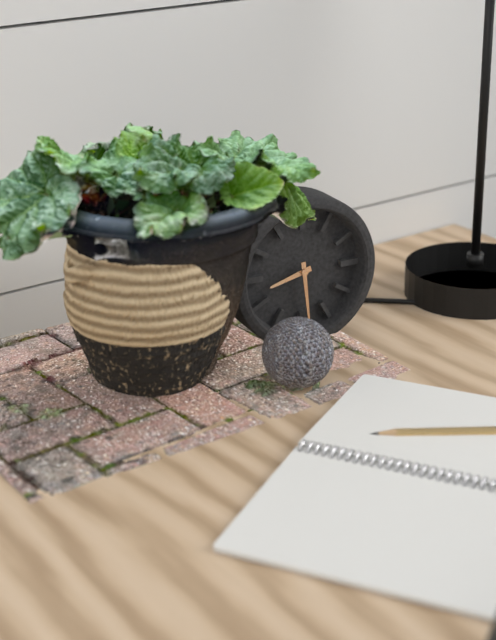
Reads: 8.29
